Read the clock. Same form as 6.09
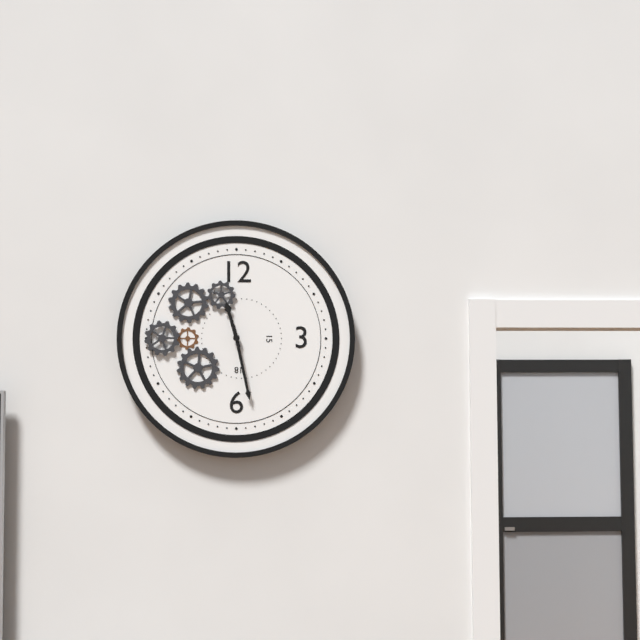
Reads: 11.28
